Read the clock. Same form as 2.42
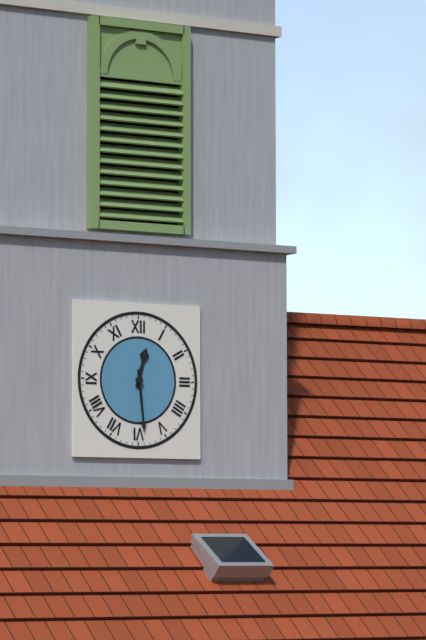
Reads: 12.29
